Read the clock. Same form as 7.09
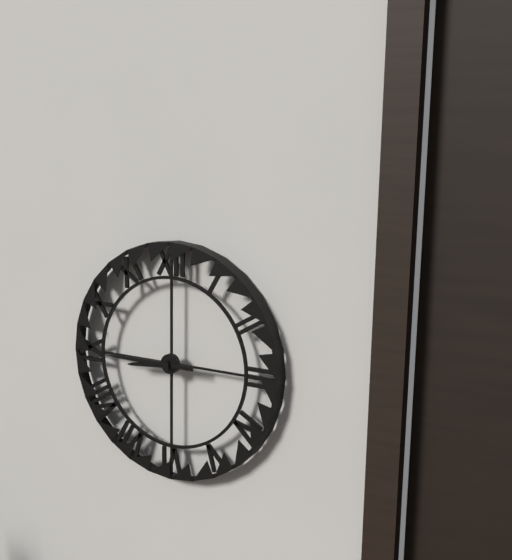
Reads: 8.45
